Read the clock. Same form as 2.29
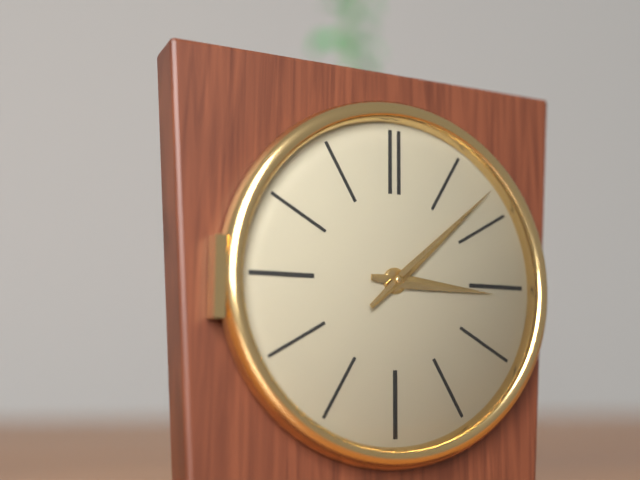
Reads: 3.08
